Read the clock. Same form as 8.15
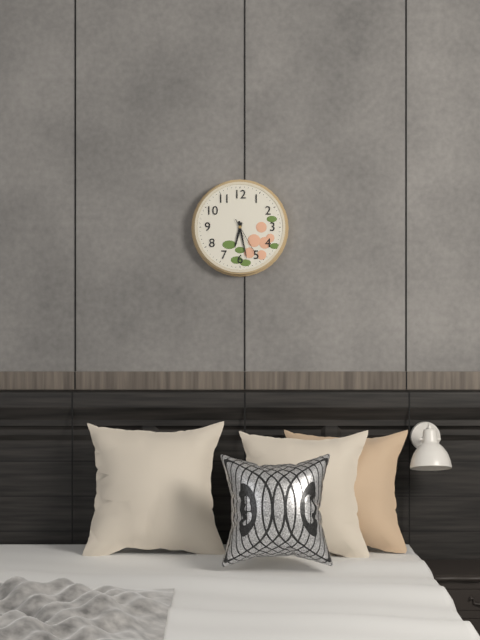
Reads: 6.28
